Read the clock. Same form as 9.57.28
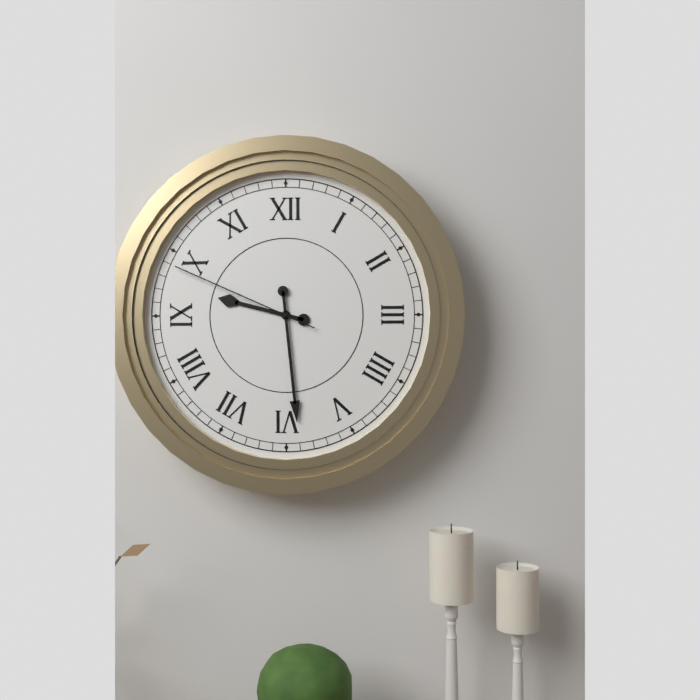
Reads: 9.29.49
